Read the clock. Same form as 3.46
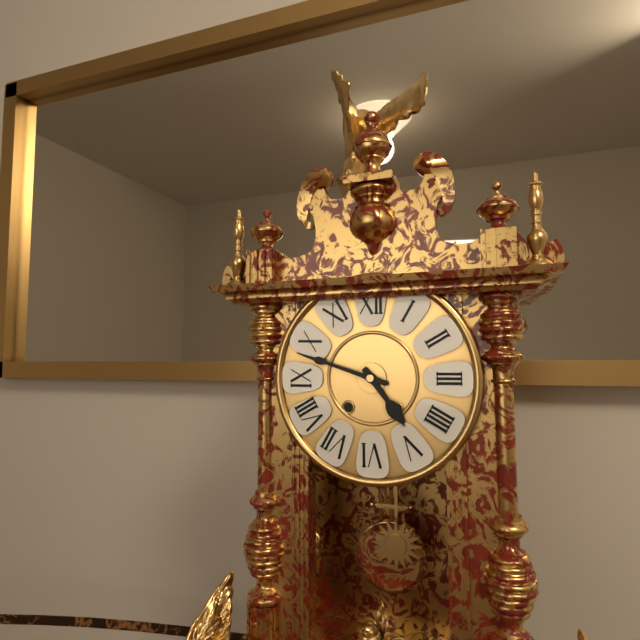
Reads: 4.48
